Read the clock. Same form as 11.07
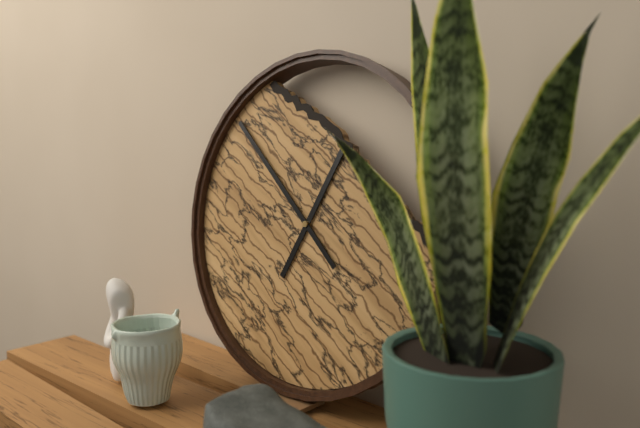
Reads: 12.52
